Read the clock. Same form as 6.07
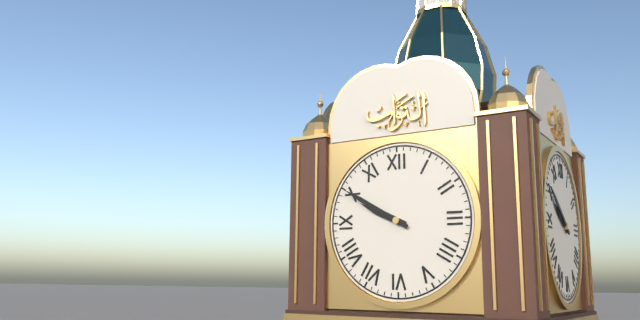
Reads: 9.50
